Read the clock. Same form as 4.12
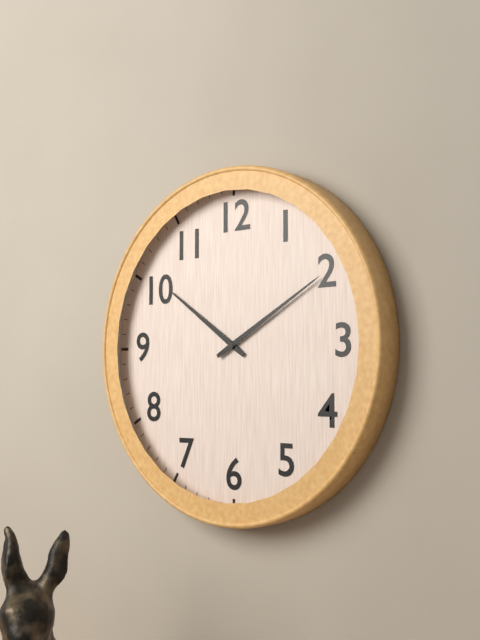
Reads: 10.10
